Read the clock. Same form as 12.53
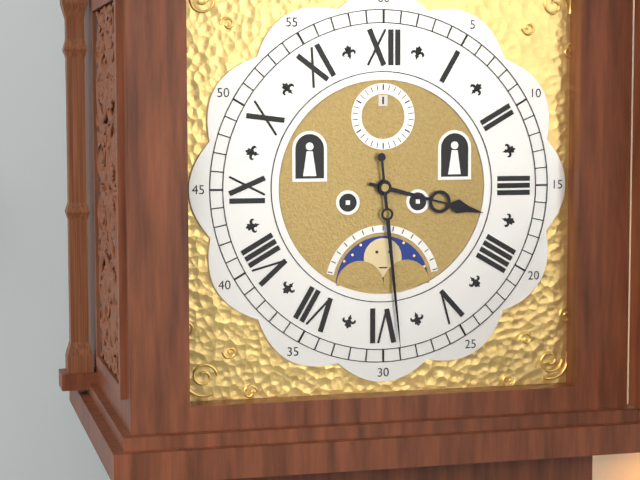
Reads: 3.29
